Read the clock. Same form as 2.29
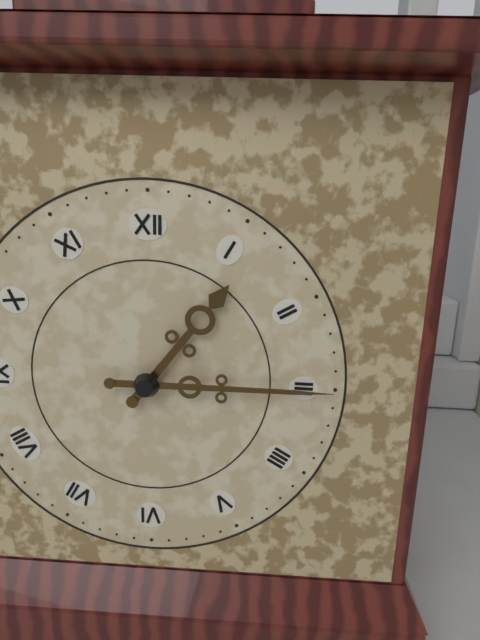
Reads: 1.15
